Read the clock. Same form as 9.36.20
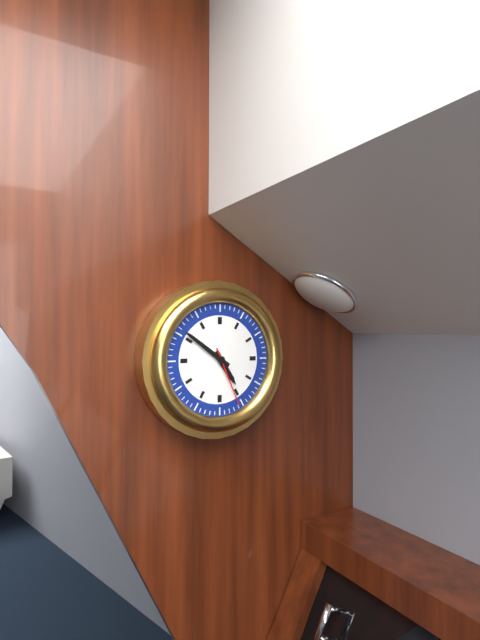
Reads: 4.51.26
